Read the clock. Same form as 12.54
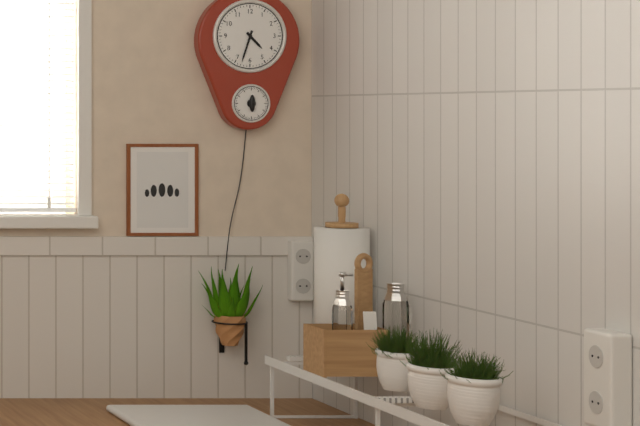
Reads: 4.33
